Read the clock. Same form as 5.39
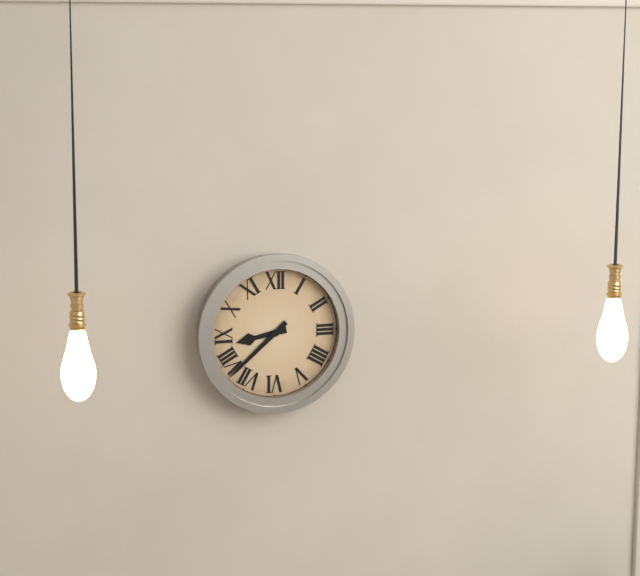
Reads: 8.38
